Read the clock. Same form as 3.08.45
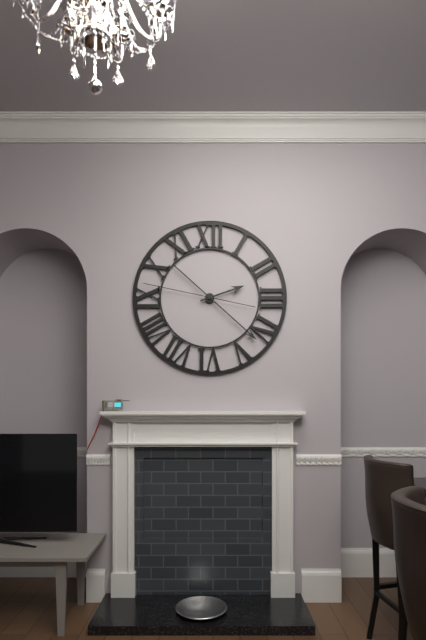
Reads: 2.22.47
